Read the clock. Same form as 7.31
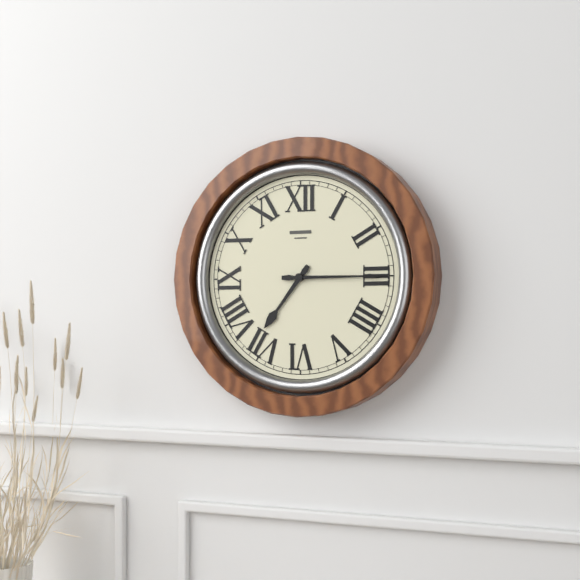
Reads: 7.15
